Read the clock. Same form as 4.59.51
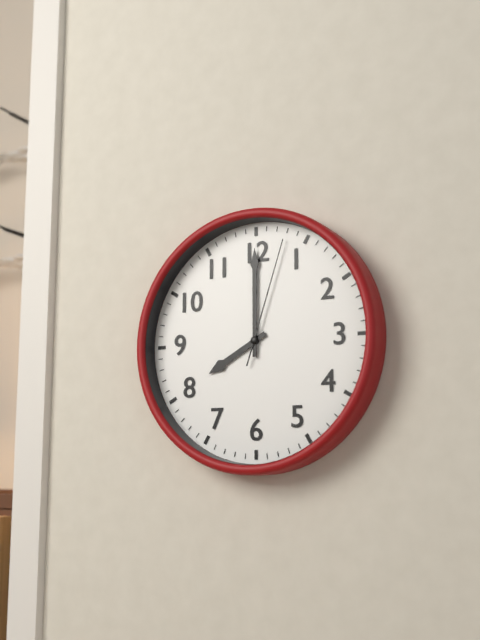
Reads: 8.00.03
